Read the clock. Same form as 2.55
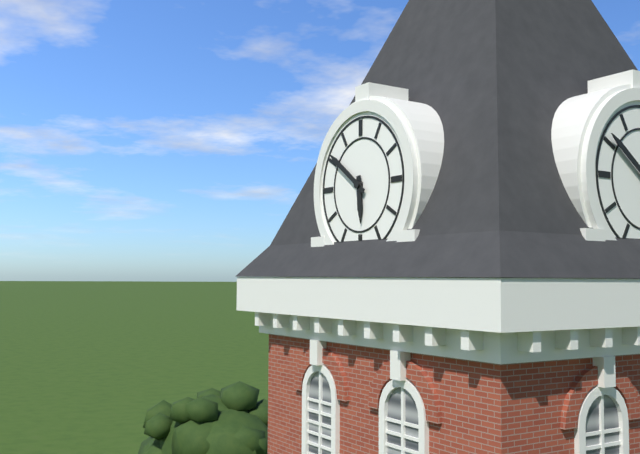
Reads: 5.51
